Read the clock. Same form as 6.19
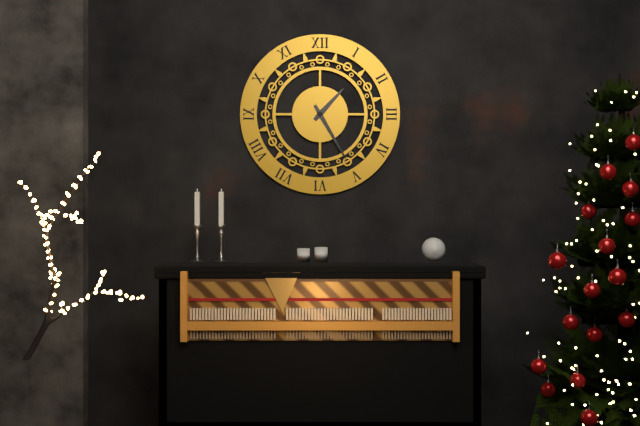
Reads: 1.25
